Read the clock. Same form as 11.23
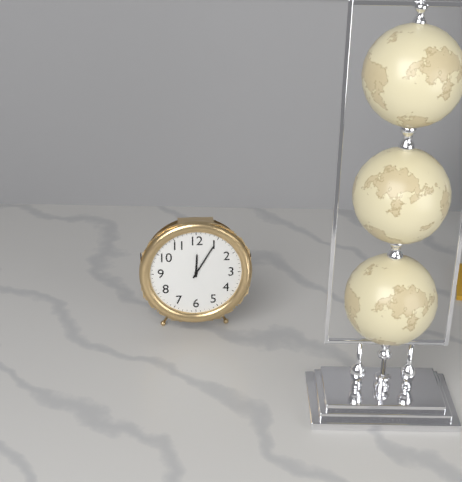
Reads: 12.05
